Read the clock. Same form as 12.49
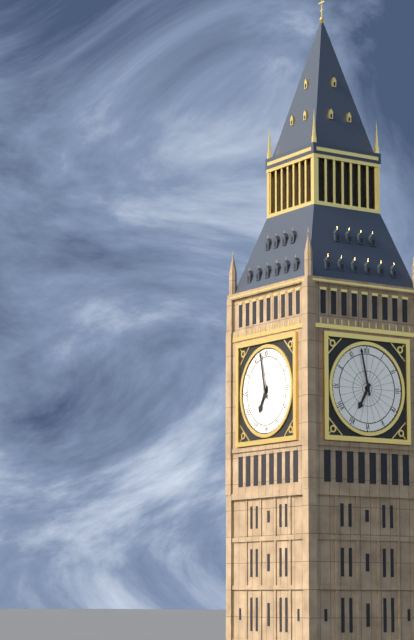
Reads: 6.58
